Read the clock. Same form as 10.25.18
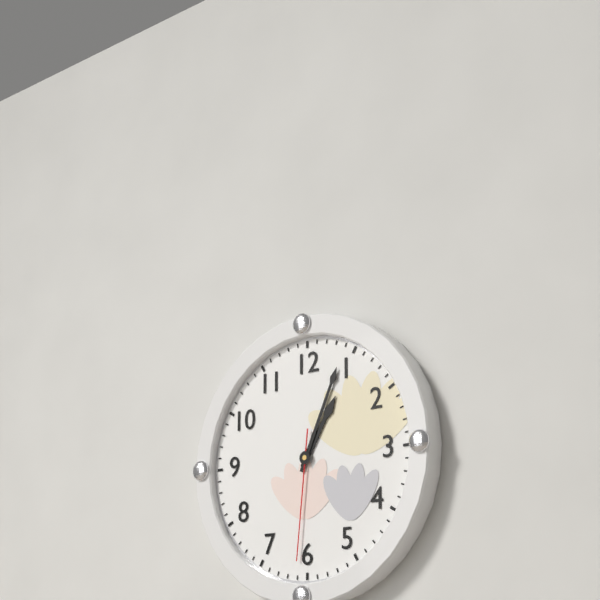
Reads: 1.04.31
